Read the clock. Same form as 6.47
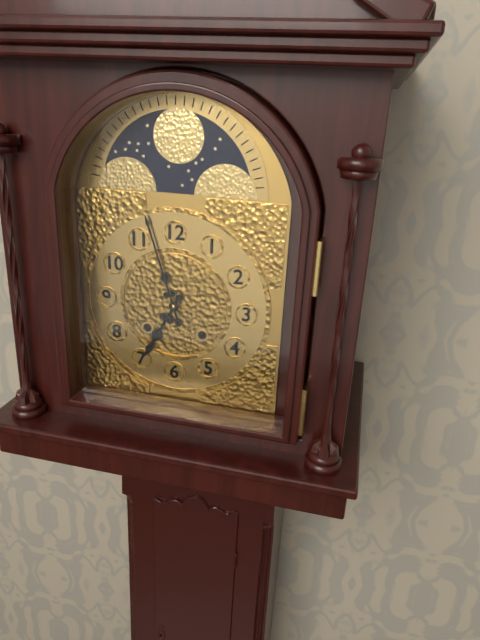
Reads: 6.57
